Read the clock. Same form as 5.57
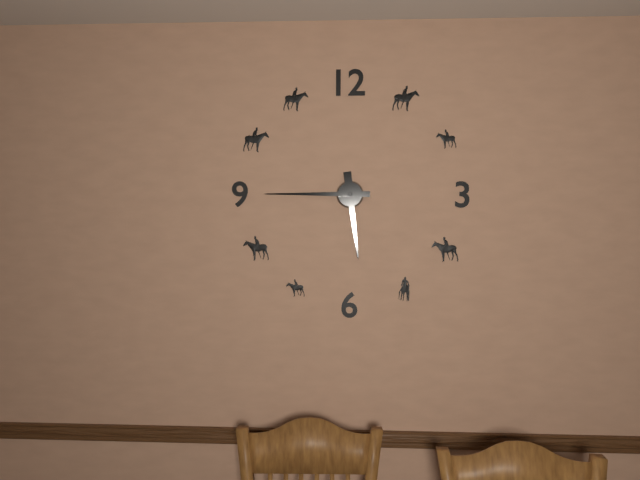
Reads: 5.45
